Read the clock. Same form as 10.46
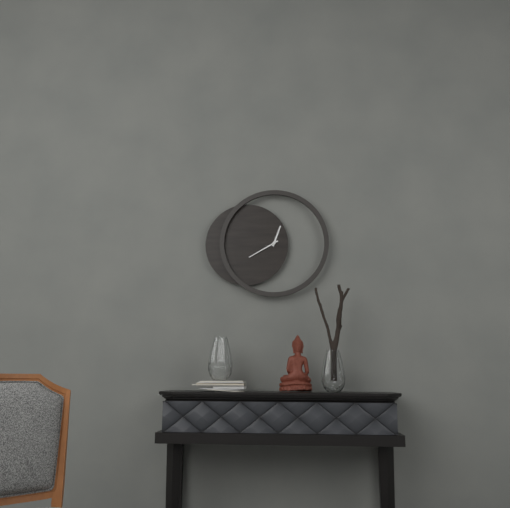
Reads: 12.40
